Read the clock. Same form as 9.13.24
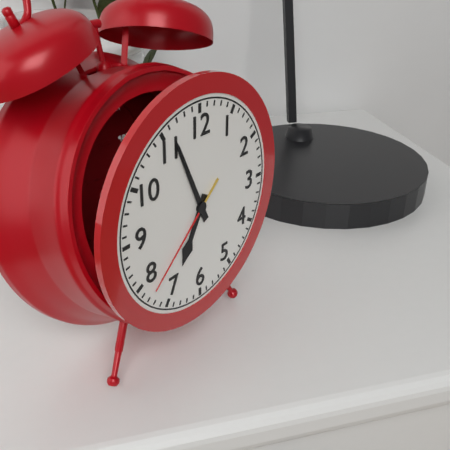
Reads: 6.56.38
